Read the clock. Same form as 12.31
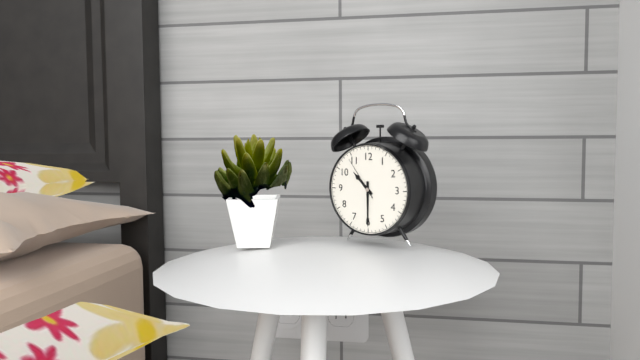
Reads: 10.30
